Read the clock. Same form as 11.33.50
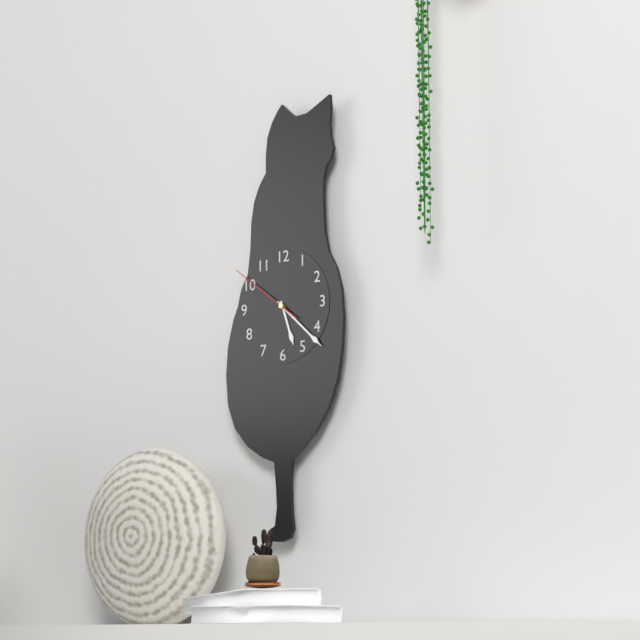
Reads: 5.22.51
